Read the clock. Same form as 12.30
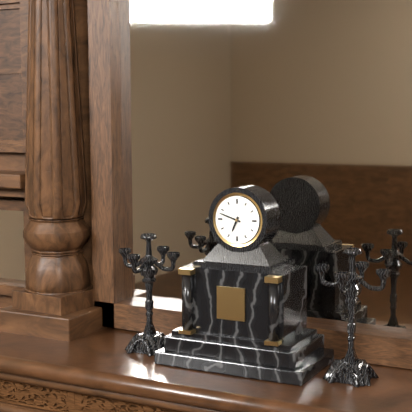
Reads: 6.48
